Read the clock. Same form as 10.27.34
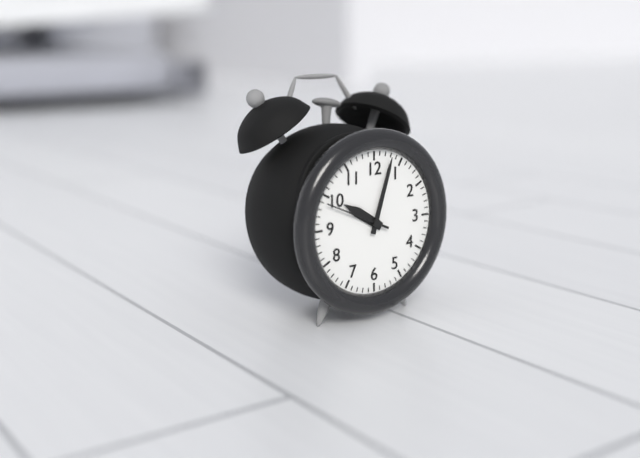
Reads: 10.03.49
